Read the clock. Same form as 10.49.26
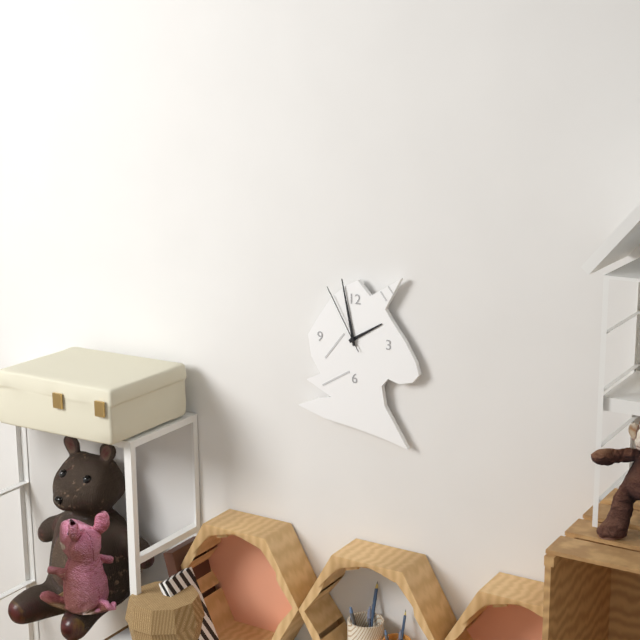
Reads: 1.58.55
